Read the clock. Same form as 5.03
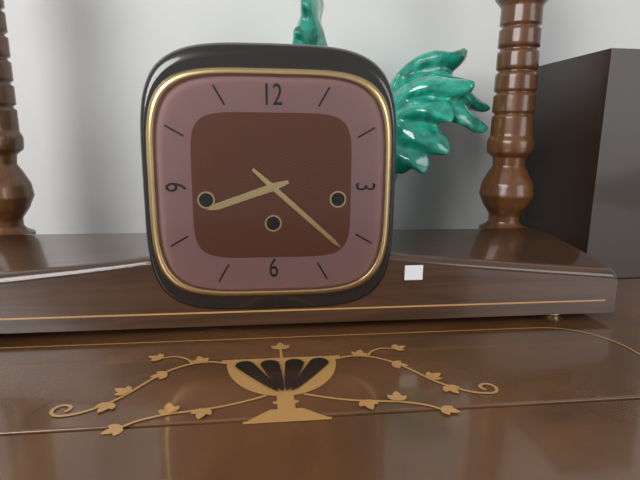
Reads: 8.22
